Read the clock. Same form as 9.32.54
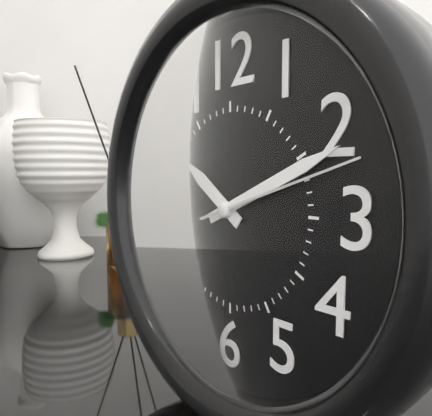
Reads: 10.11.12
